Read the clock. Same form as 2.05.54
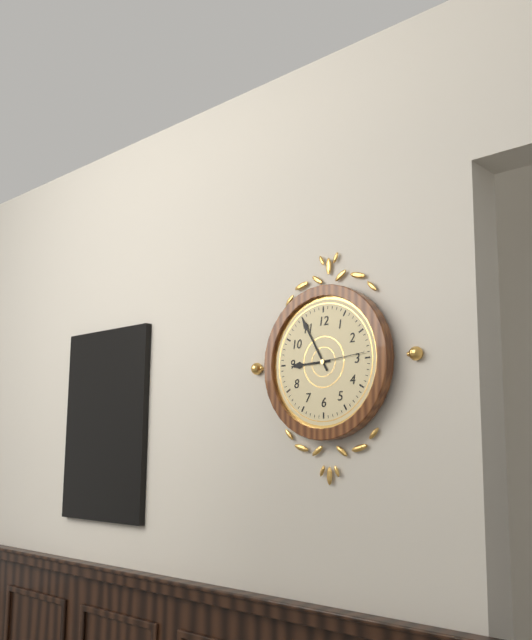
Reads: 8.55.14
